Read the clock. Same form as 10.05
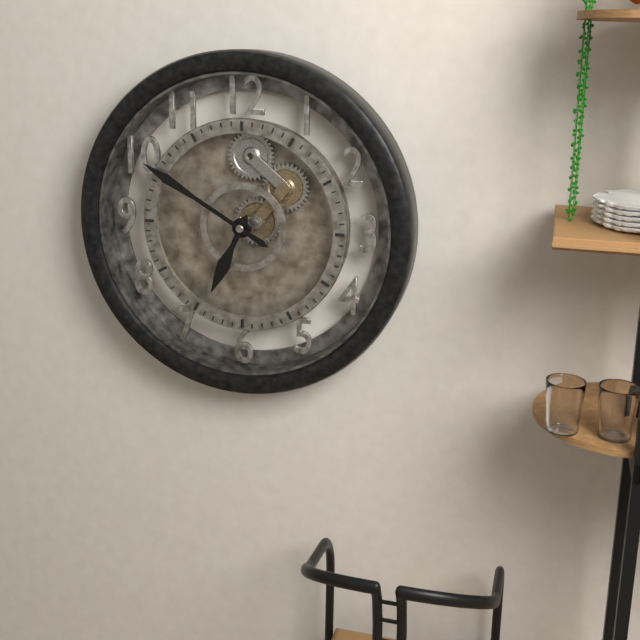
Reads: 6.50
